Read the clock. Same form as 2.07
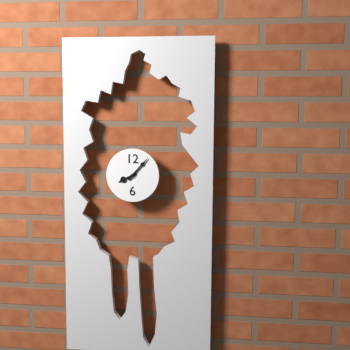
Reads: 8.07
